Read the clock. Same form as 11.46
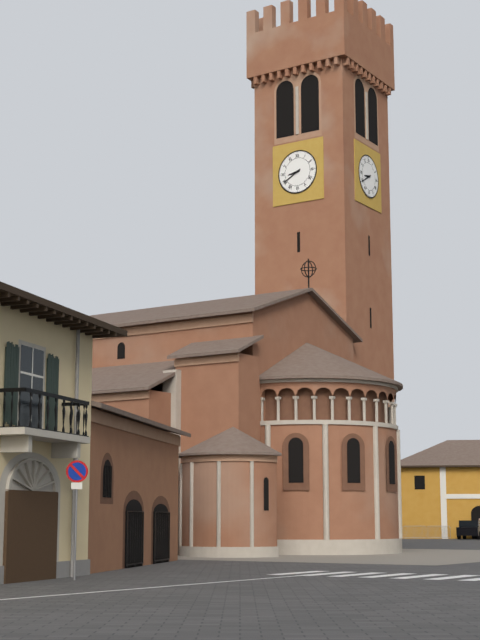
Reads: 8.40
